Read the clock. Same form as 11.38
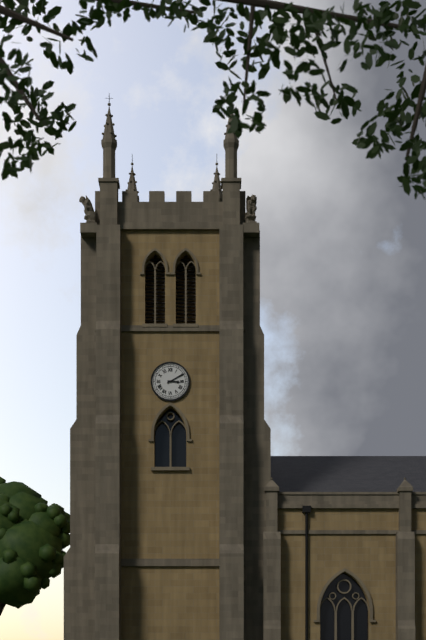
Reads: 3.10
